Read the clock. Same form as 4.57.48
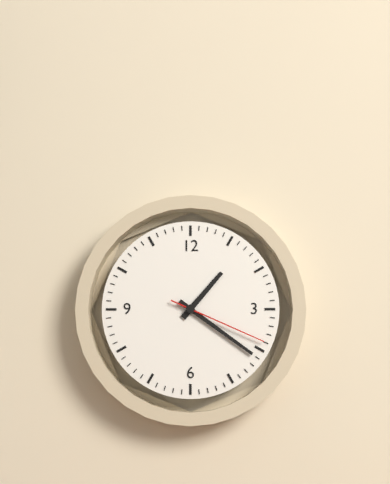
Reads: 1.21.19
